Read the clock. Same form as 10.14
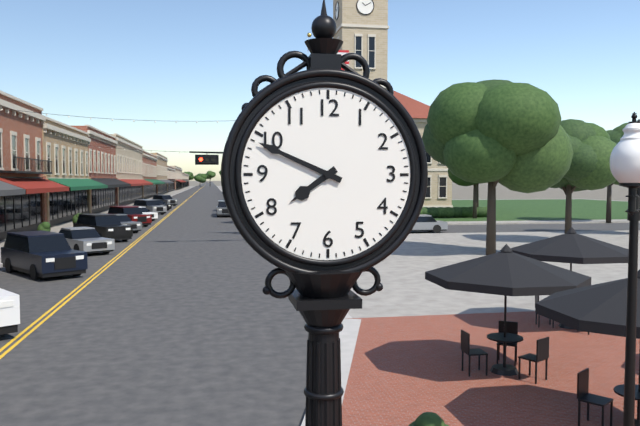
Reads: 7.49
